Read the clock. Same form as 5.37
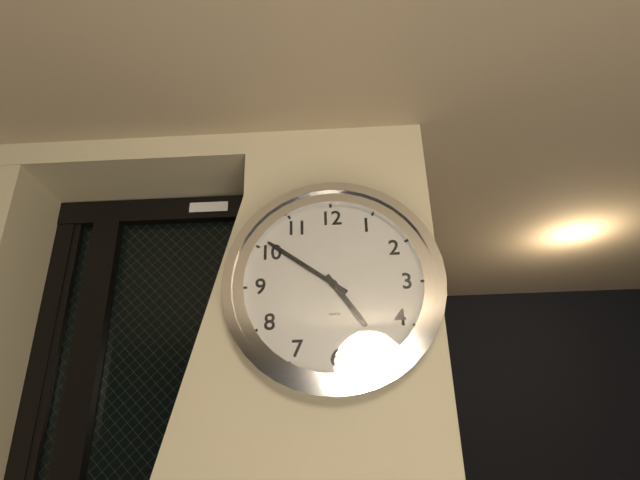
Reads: 4.51
